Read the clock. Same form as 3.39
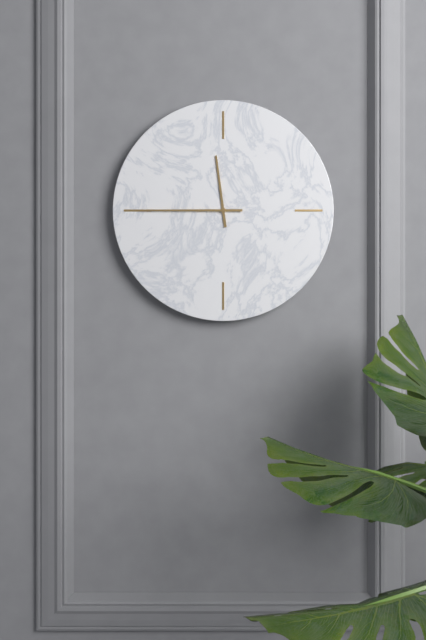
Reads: 11.45
